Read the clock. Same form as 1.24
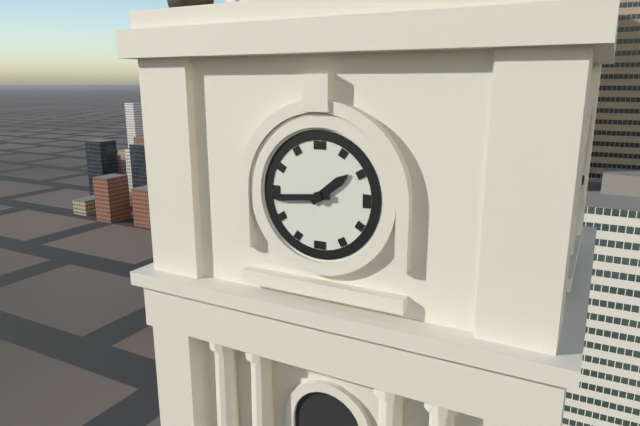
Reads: 1.44
